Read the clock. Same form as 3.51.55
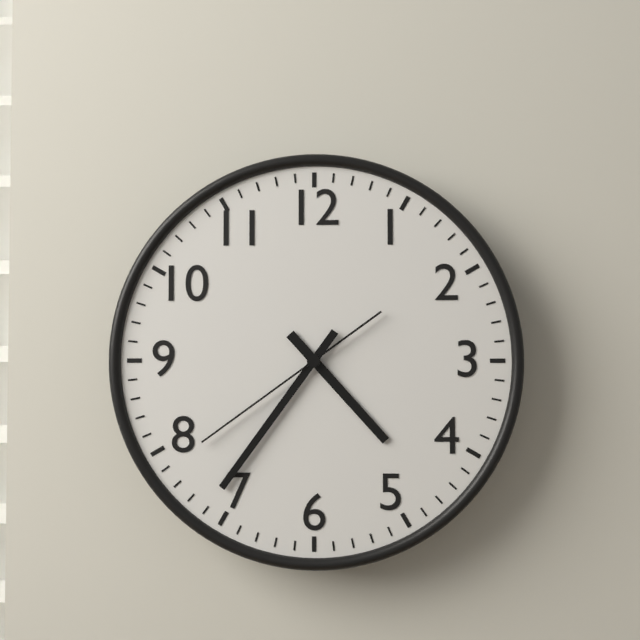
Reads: 4.36.39
